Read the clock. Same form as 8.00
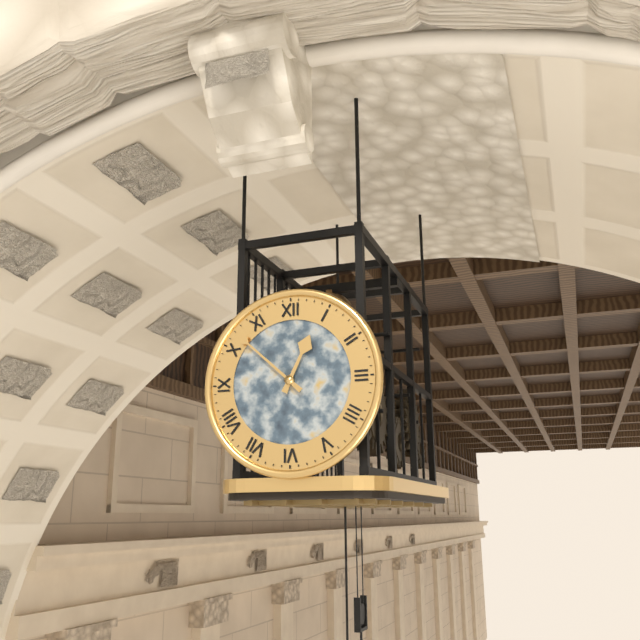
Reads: 12.52
